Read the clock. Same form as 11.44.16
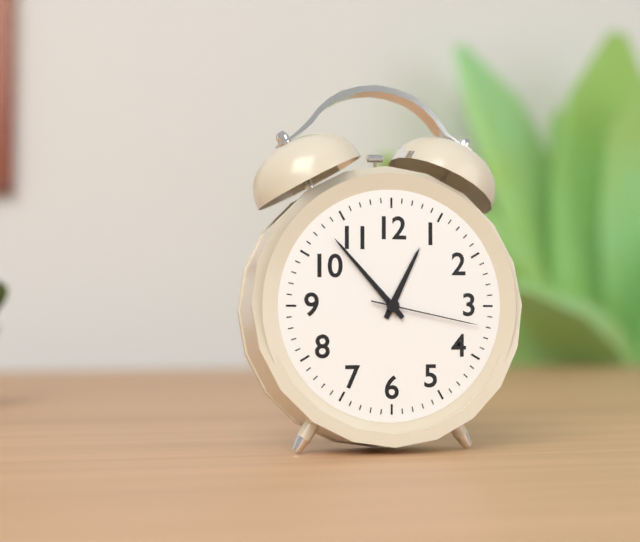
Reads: 12.53.17
